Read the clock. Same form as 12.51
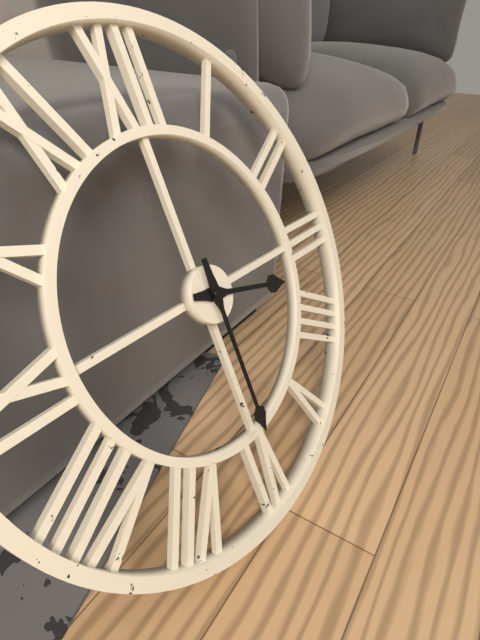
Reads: 3.30
